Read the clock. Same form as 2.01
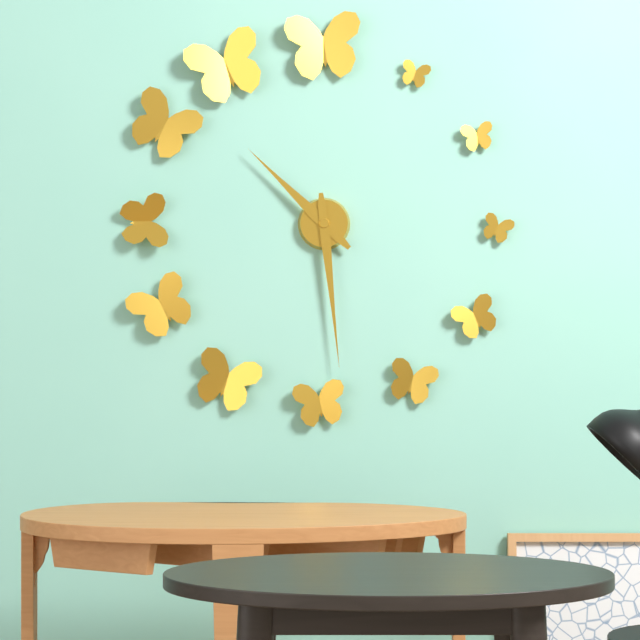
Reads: 10.29
